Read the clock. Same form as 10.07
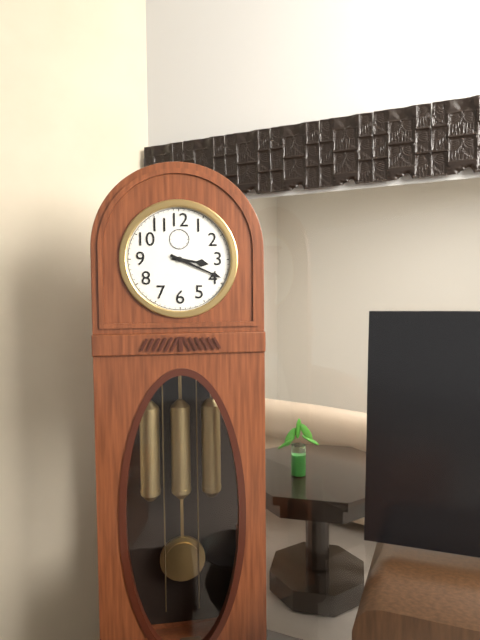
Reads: 3.19
